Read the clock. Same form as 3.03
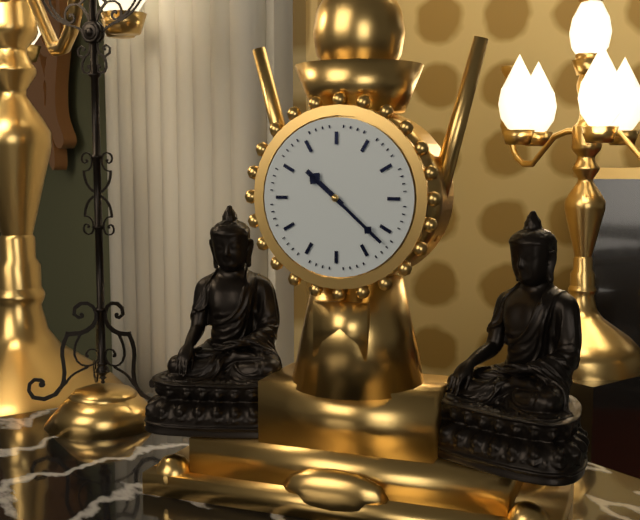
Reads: 10.22
